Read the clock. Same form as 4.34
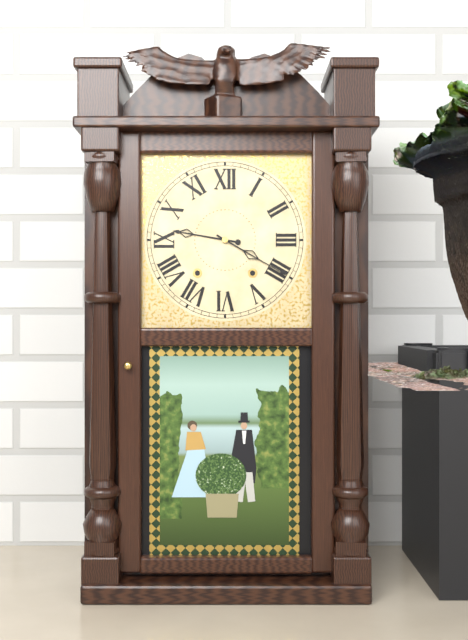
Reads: 9.20
